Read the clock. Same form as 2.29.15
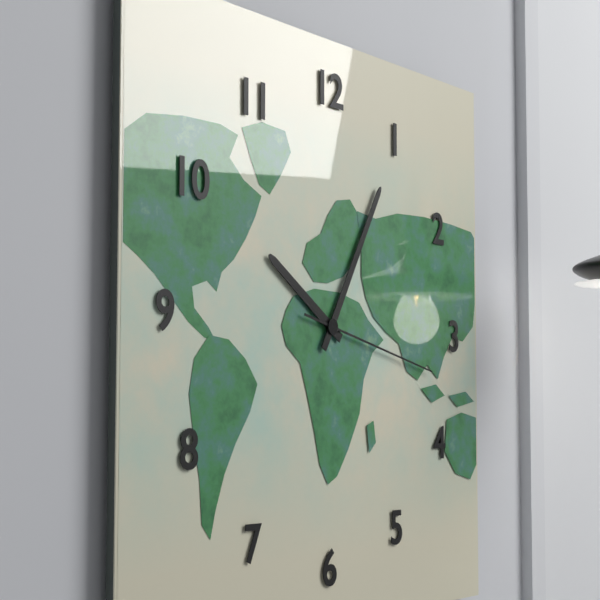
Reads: 10.05.17
